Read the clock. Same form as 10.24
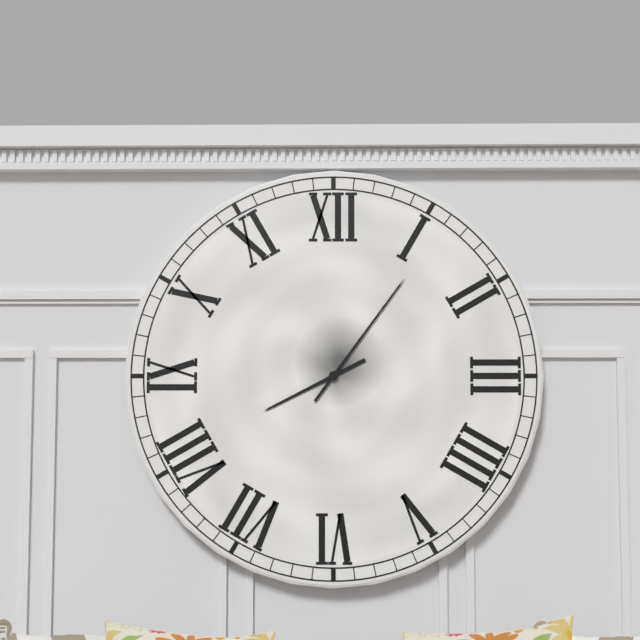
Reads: 8.06
